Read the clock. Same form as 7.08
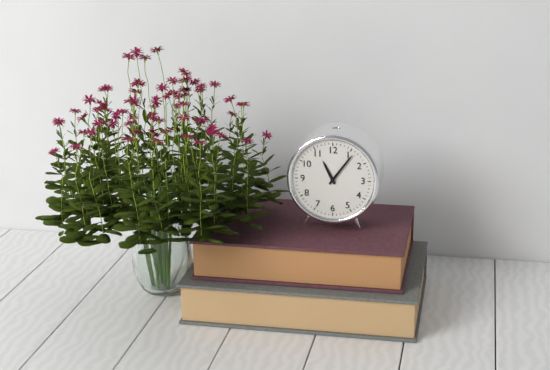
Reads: 11.06
